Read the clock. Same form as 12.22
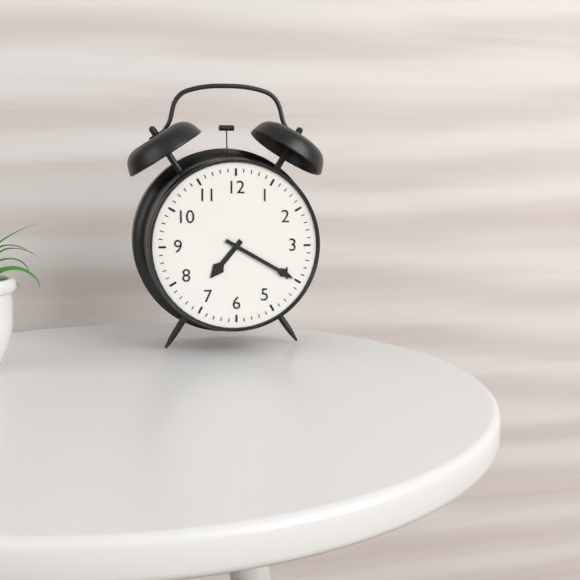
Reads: 7.20
